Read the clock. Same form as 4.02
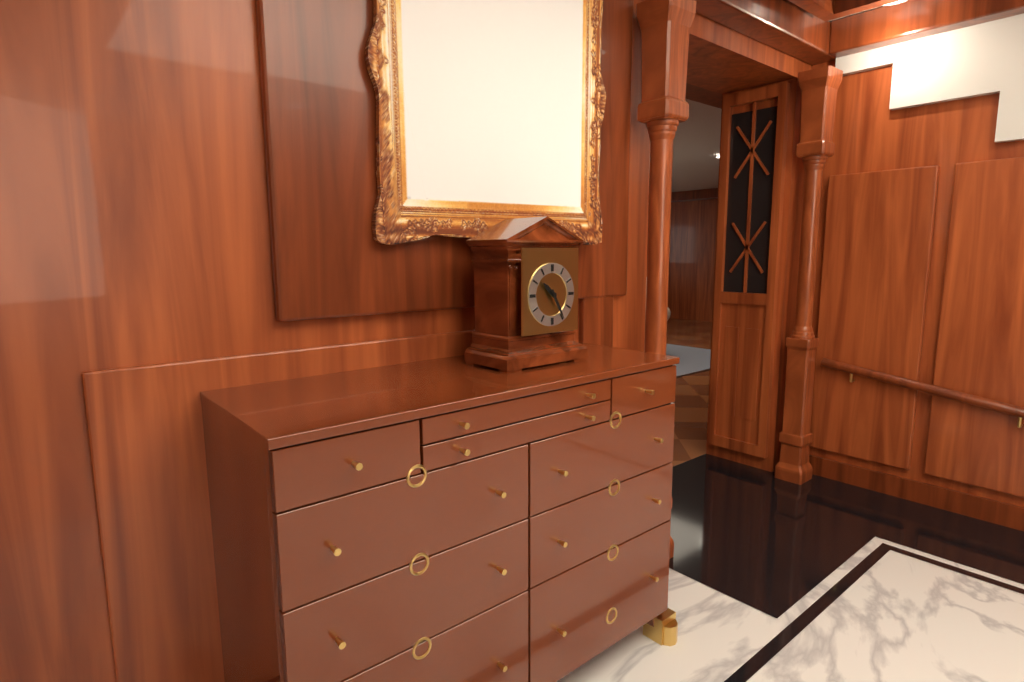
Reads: 10.25
